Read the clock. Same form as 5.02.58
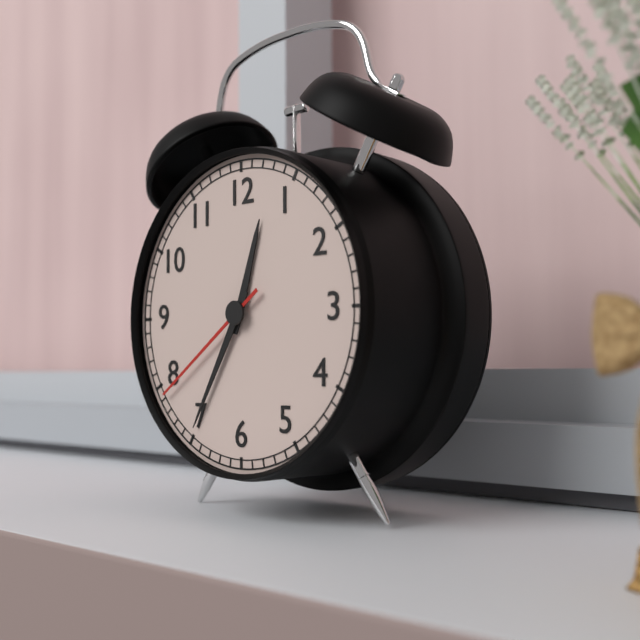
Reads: 12.35.39
